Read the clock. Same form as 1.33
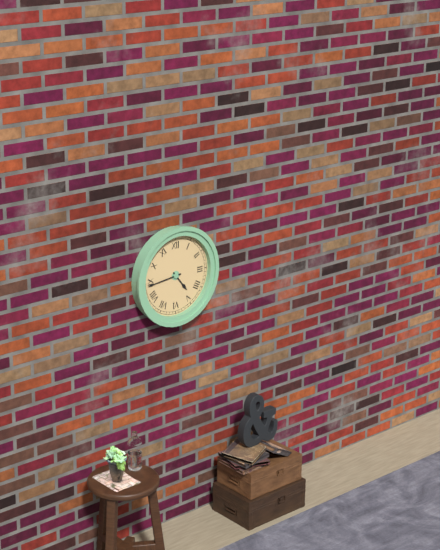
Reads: 4.44
